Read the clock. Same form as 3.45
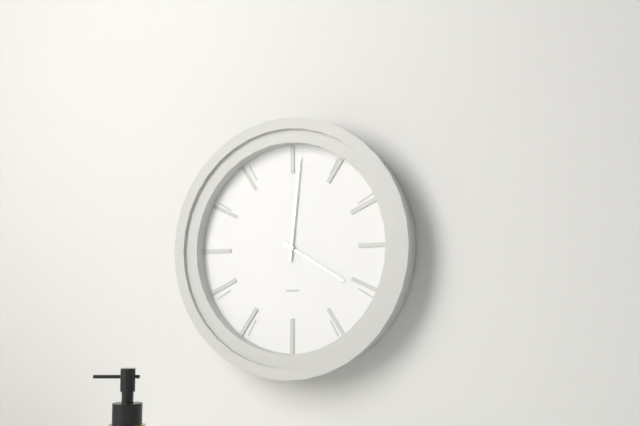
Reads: 4.01
